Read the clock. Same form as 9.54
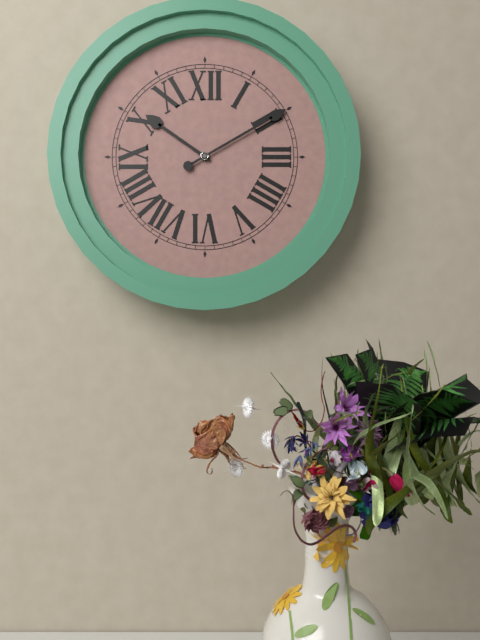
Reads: 10.10
